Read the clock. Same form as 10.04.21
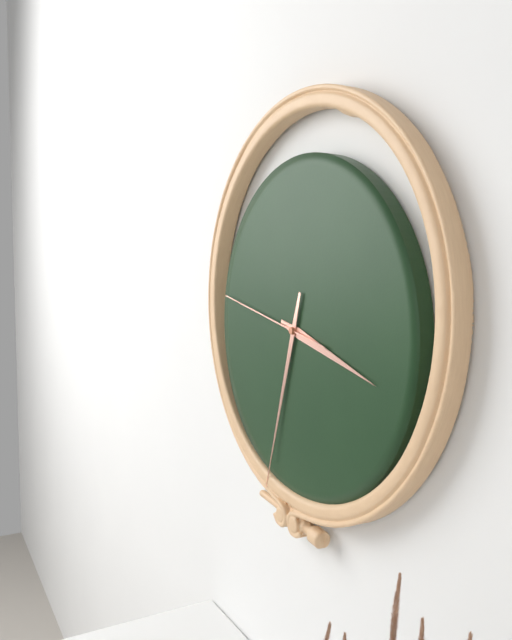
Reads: 3.33.47
